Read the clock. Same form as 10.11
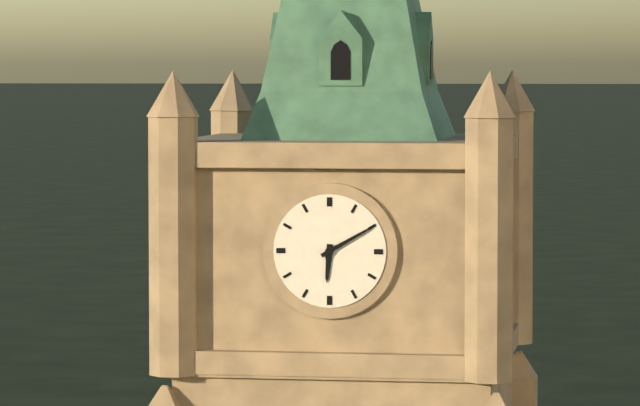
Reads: 6.10
